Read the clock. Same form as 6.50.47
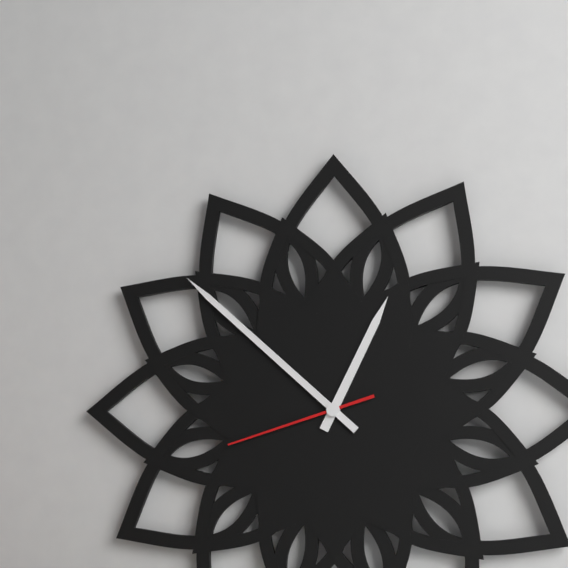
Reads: 12.52.42
